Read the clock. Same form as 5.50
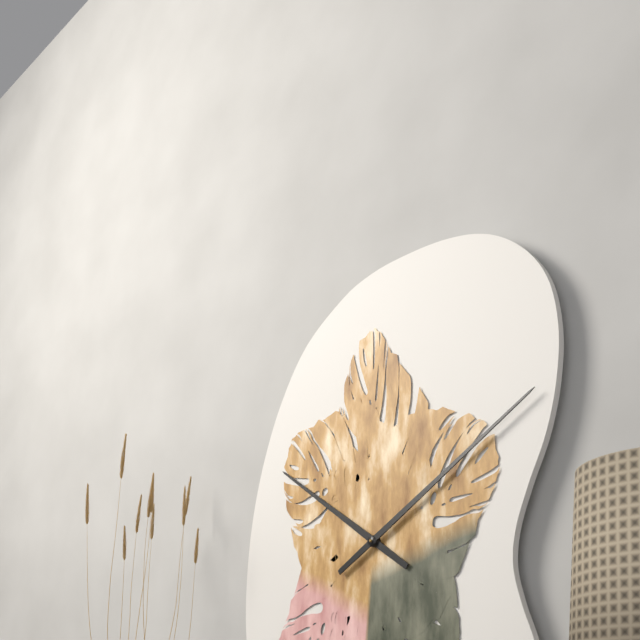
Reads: 10.10
